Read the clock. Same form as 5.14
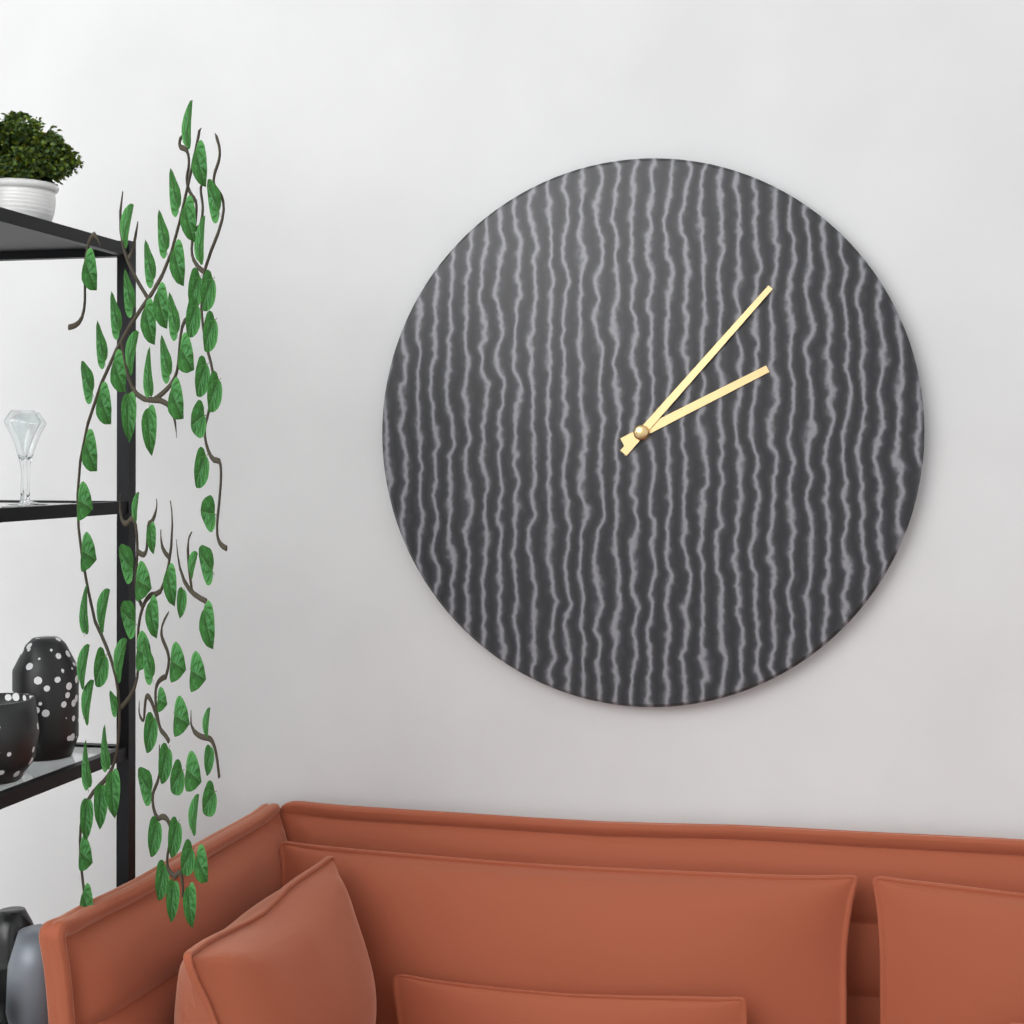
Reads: 2.07
